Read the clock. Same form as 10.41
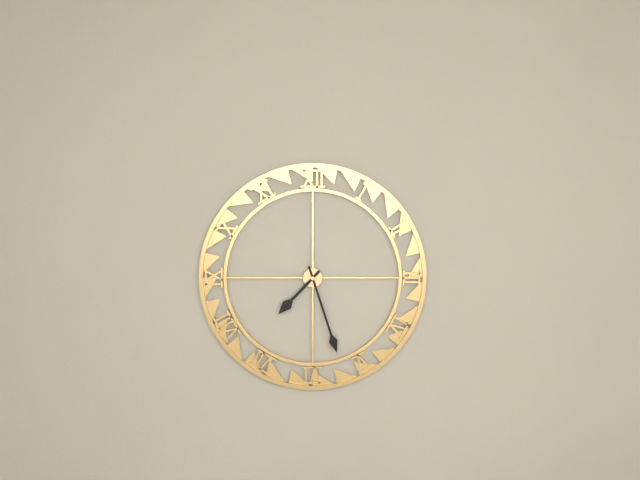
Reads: 7.27
